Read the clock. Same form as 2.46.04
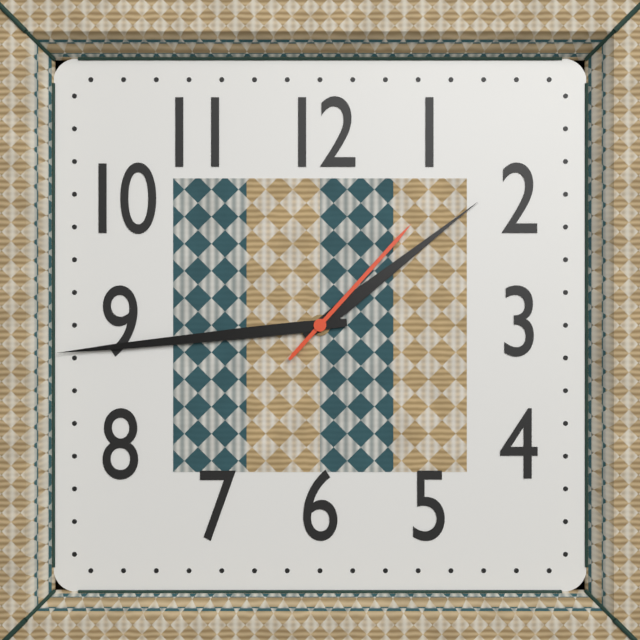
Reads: 1.44.07
